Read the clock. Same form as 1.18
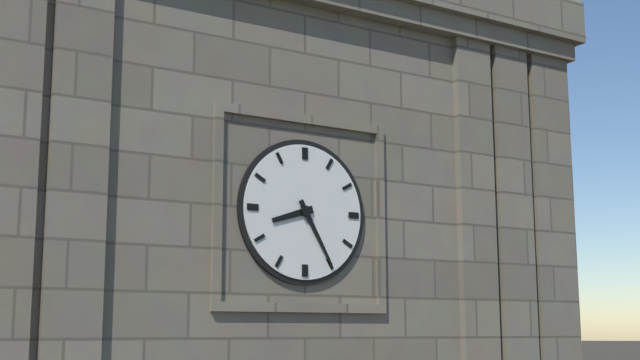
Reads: 8.25
